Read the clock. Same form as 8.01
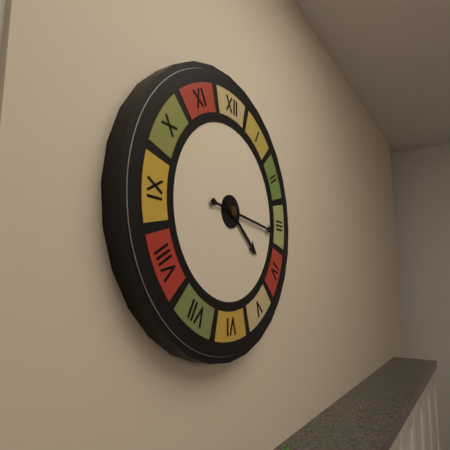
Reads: 4.16
